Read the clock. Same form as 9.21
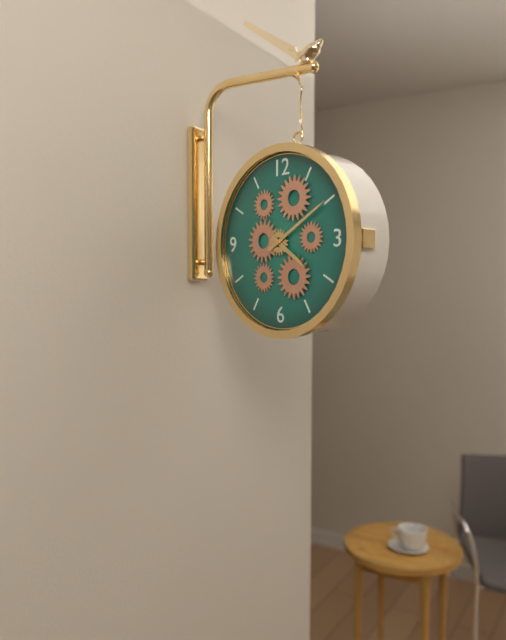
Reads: 4.10
